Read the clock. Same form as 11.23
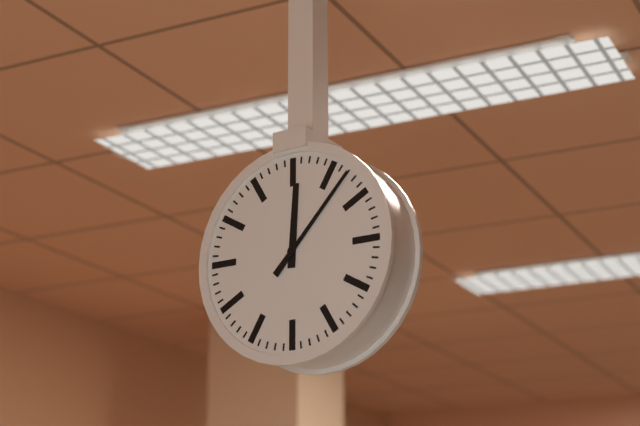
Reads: 12.07
